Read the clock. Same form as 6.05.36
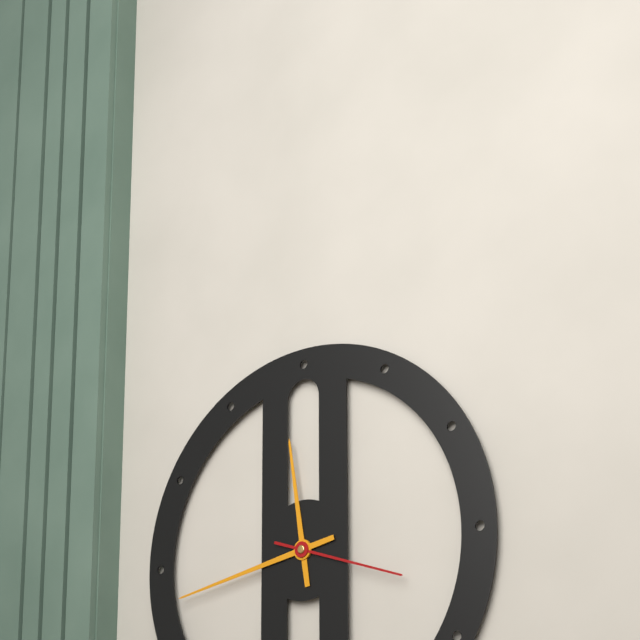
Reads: 11.43.18
